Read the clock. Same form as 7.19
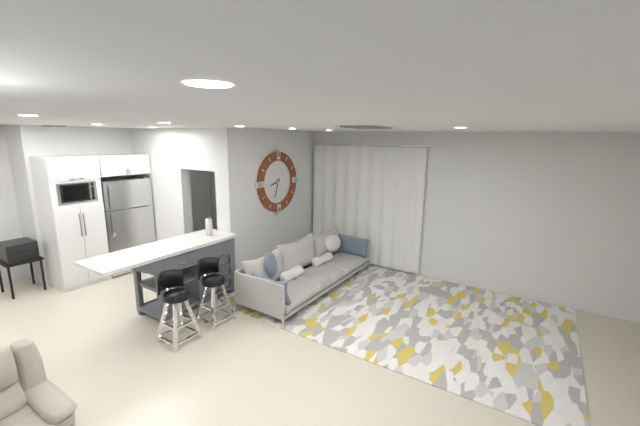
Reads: 8.33
